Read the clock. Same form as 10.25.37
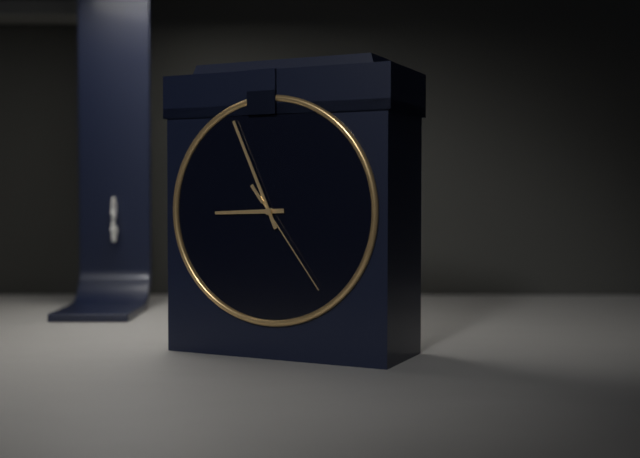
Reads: 8.56.24
